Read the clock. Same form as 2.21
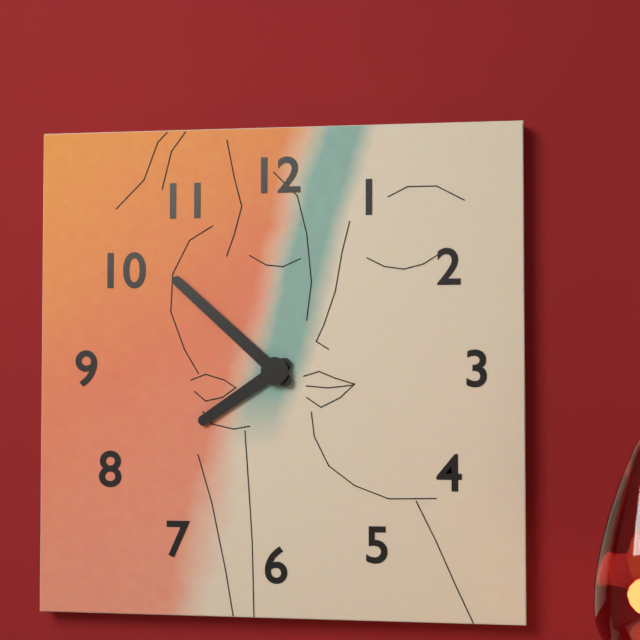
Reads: 7.52
